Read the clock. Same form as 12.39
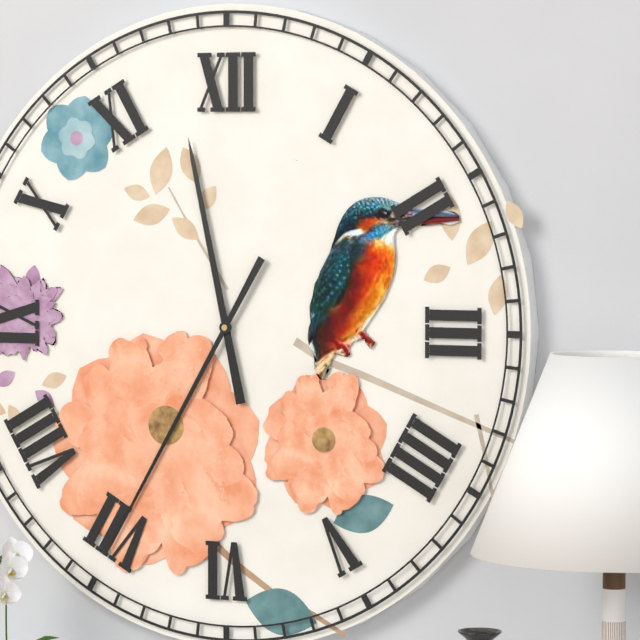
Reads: 11.35
